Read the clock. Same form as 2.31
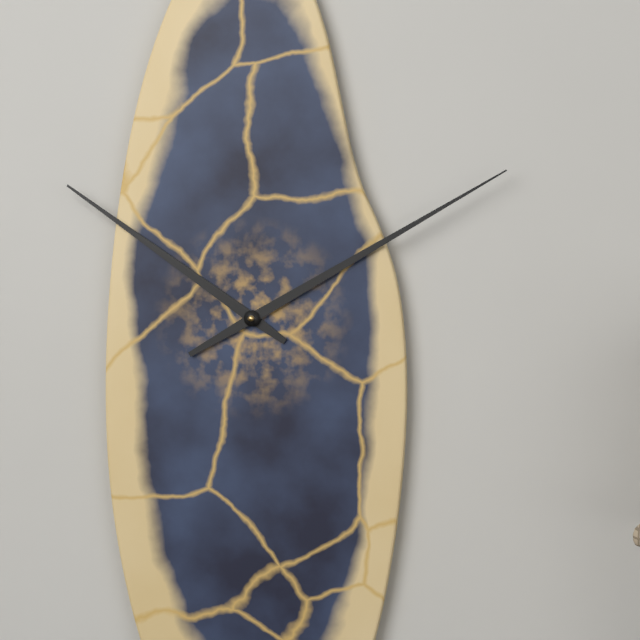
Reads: 10.10
